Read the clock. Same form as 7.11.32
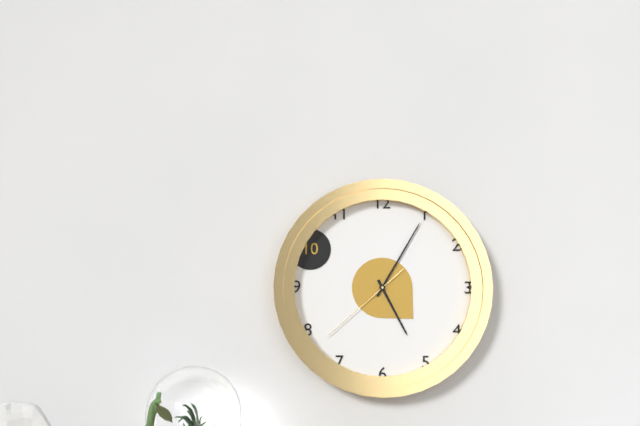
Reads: 5.05.38
